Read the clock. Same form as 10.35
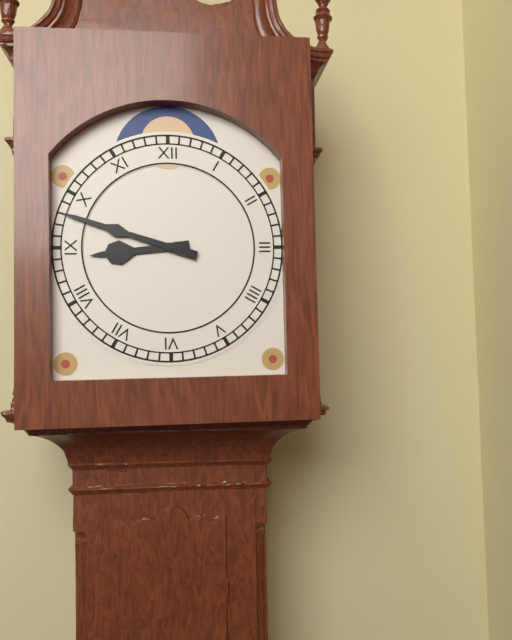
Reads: 8.48
